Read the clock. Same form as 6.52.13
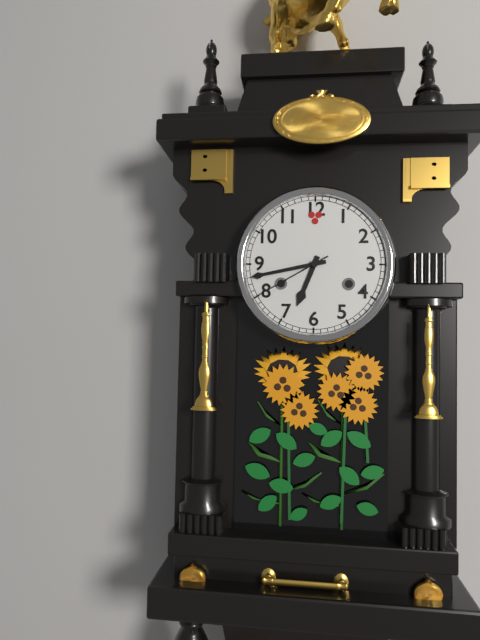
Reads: 6.43.40
